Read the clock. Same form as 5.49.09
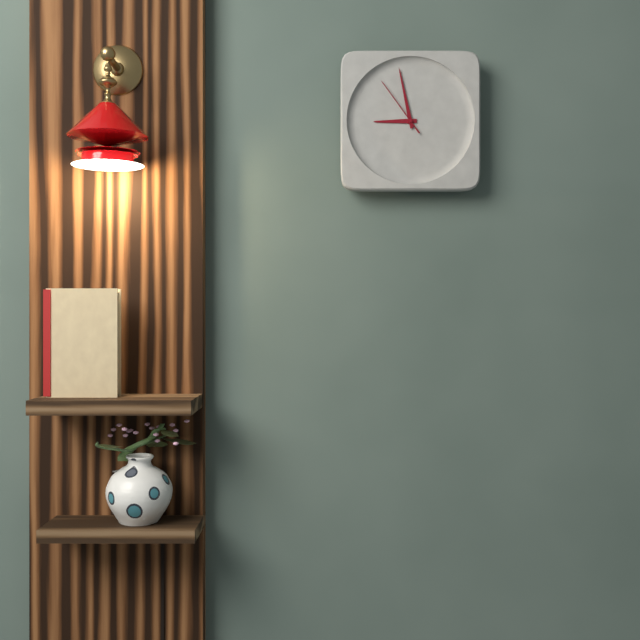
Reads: 8.58.54
